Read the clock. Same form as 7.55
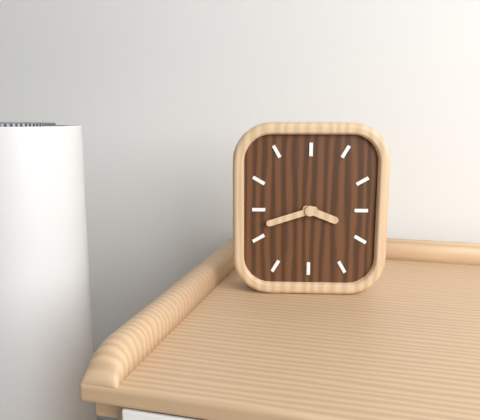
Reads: 3.42
